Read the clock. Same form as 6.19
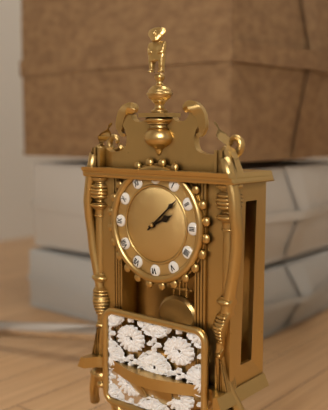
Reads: 2.08
